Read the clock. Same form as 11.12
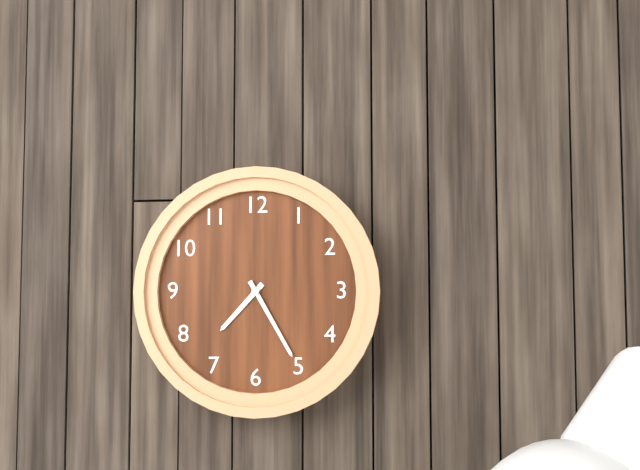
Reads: 7.25
